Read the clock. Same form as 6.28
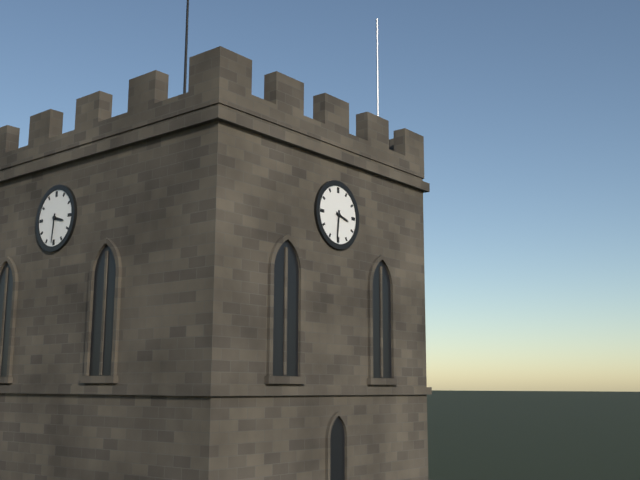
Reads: 3.31
